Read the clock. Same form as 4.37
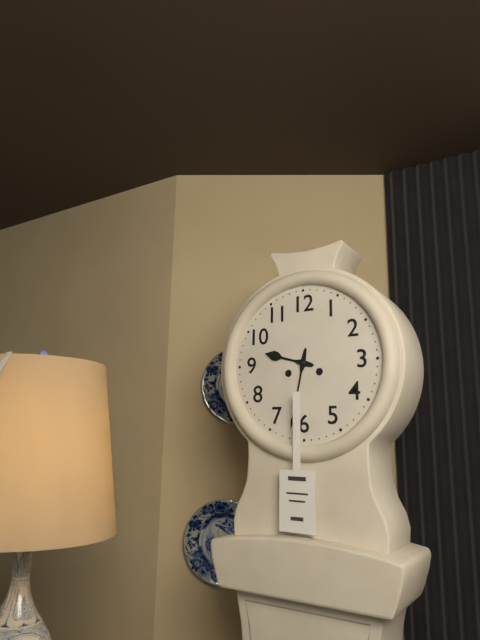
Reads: 9.32
